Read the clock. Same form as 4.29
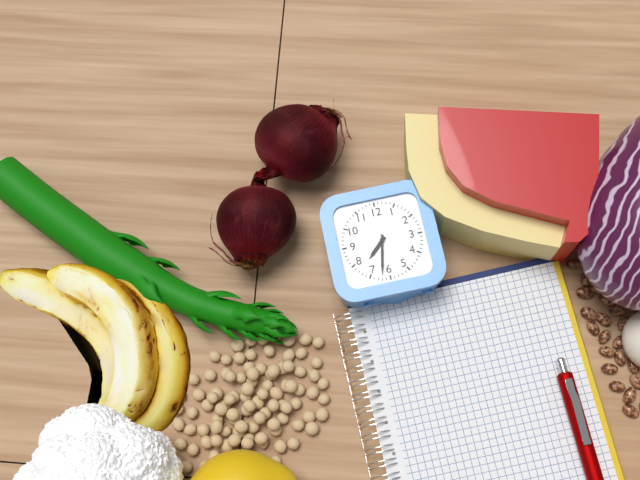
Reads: 7.32
